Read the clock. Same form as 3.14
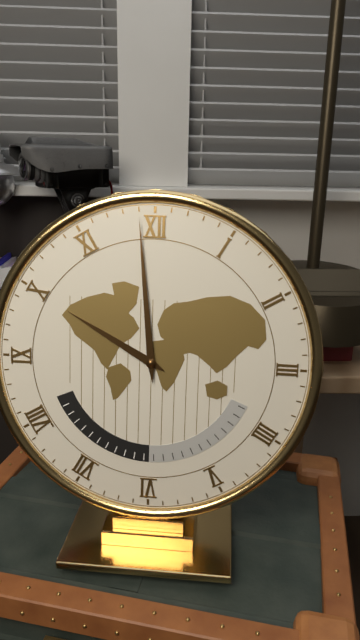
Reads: 9.59
